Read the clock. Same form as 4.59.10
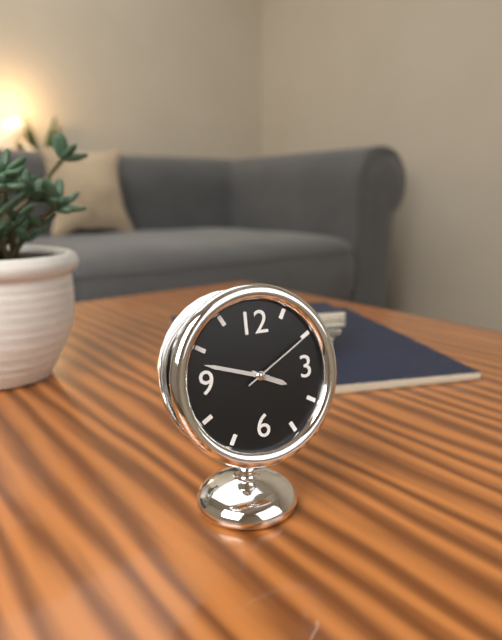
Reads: 3.48.10
